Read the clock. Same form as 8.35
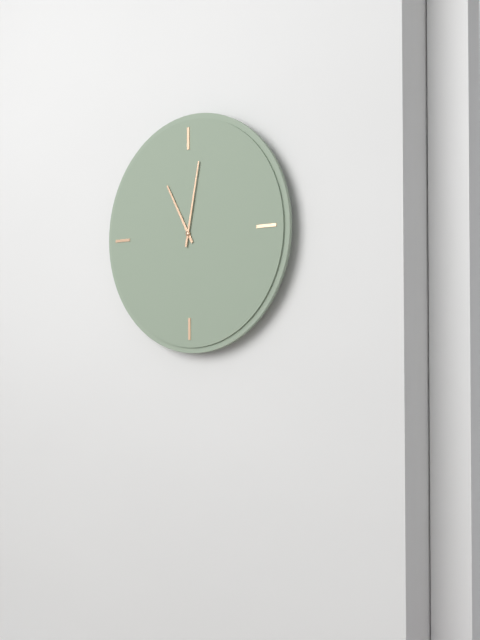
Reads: 11.02
